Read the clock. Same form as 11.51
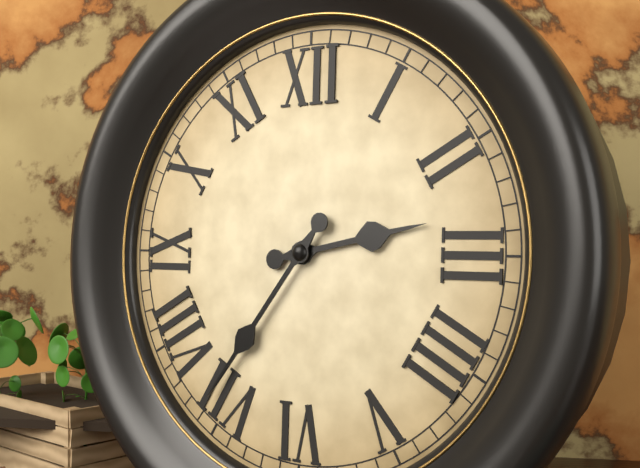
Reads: 2.36
